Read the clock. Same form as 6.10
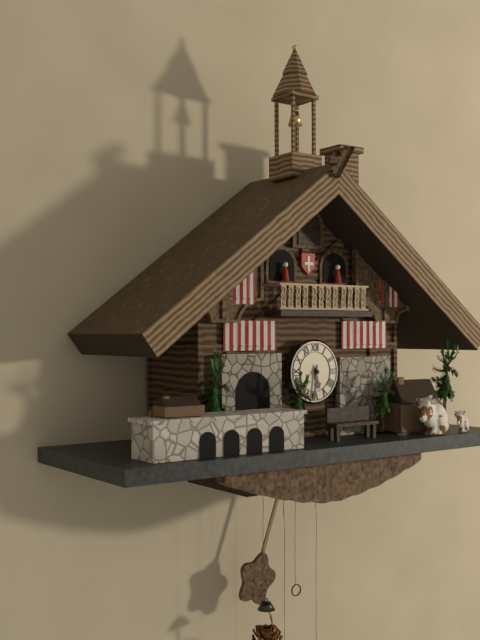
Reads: 5.31
